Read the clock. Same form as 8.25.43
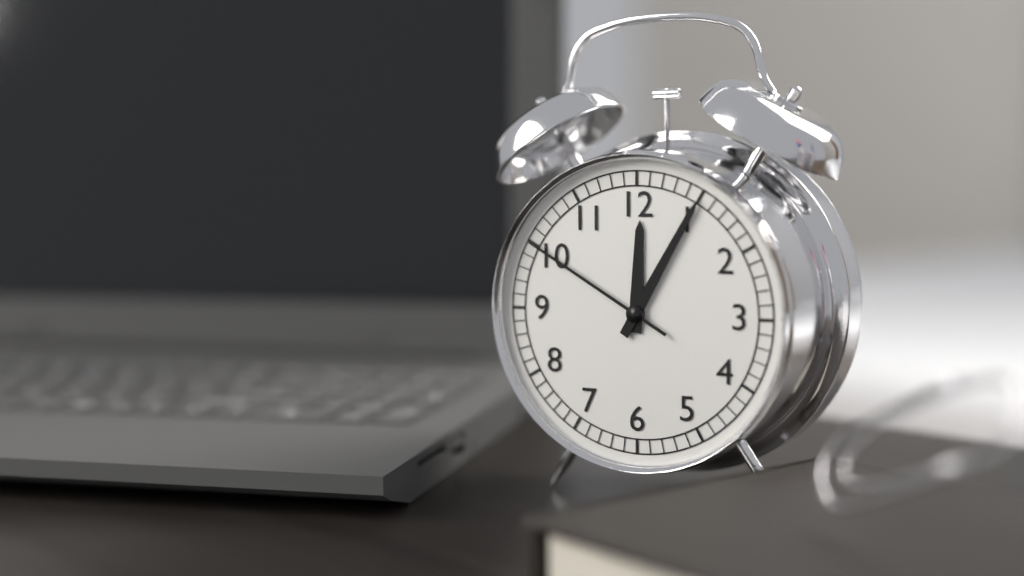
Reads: 12.05.50
